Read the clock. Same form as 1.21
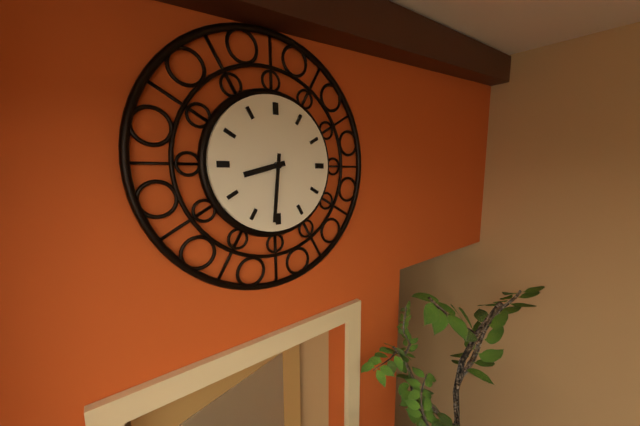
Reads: 8.31
